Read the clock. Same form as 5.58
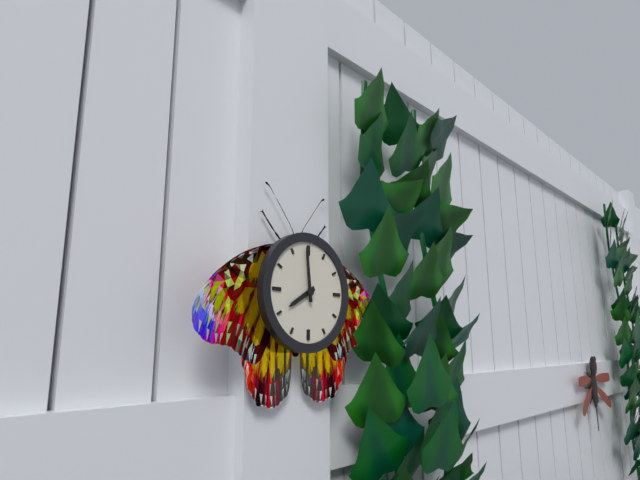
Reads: 7.59
